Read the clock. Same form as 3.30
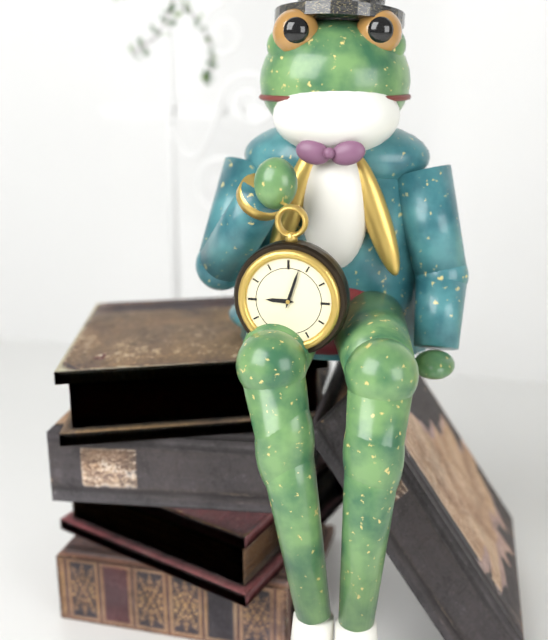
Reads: 9.03
